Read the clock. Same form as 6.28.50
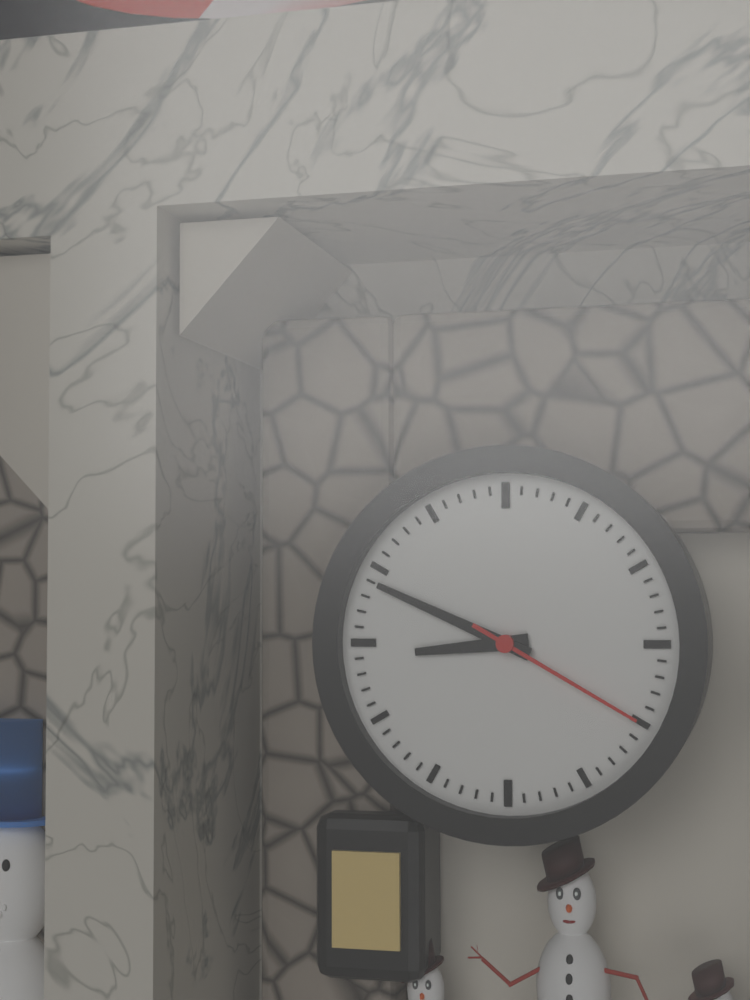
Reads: 8.49.20
